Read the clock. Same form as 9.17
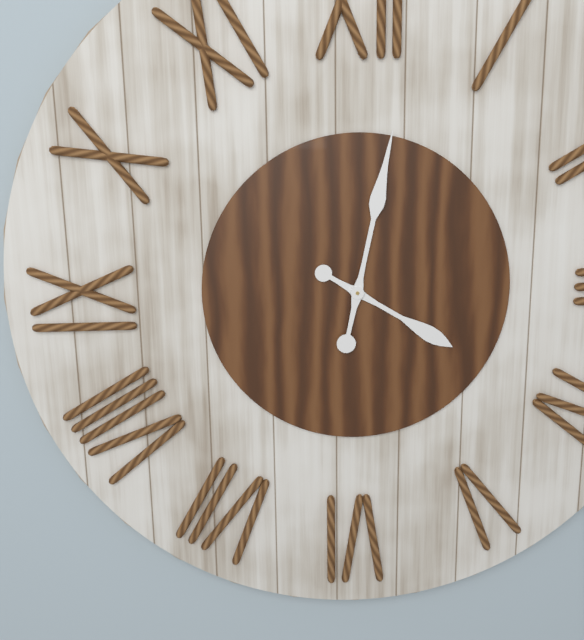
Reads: 4.02
